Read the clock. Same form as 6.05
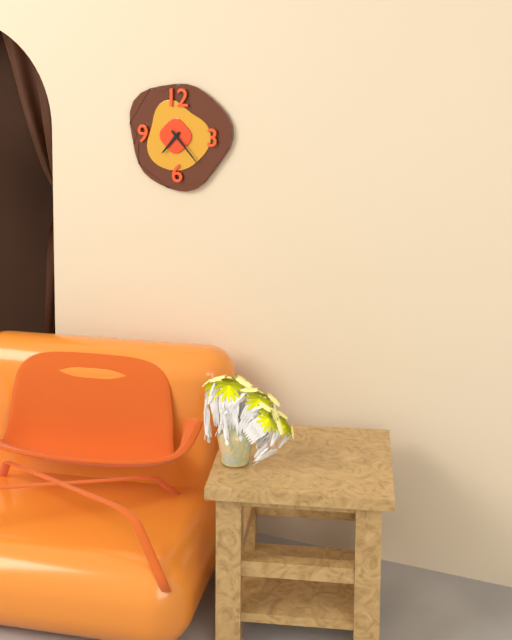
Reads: 7.23
